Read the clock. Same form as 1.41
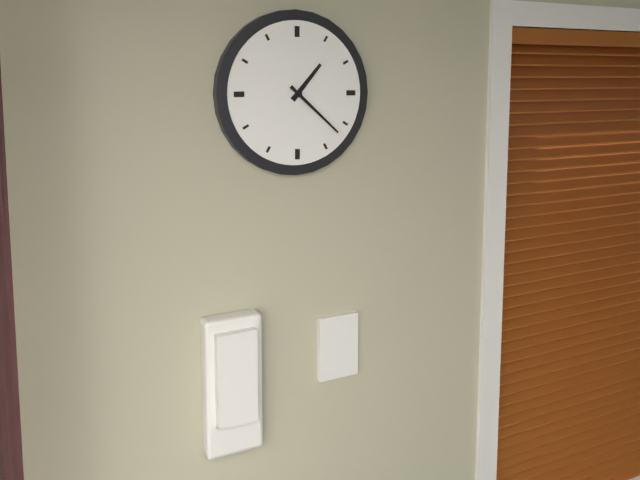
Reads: 1.22
